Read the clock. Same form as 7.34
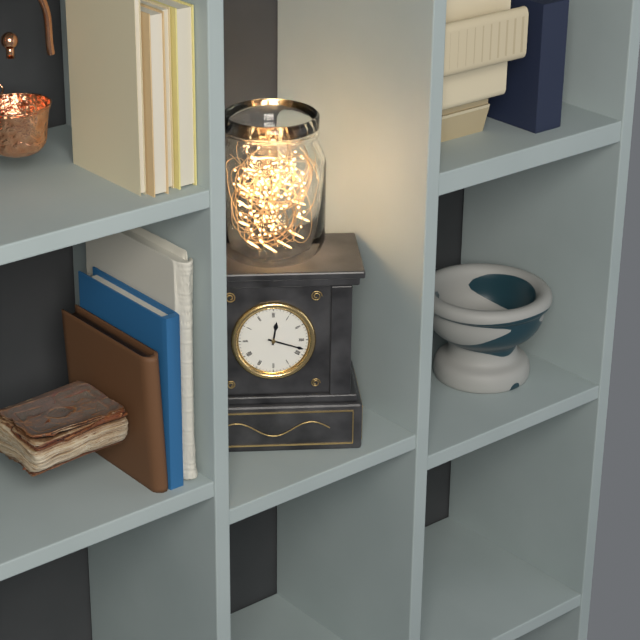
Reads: 12.18
